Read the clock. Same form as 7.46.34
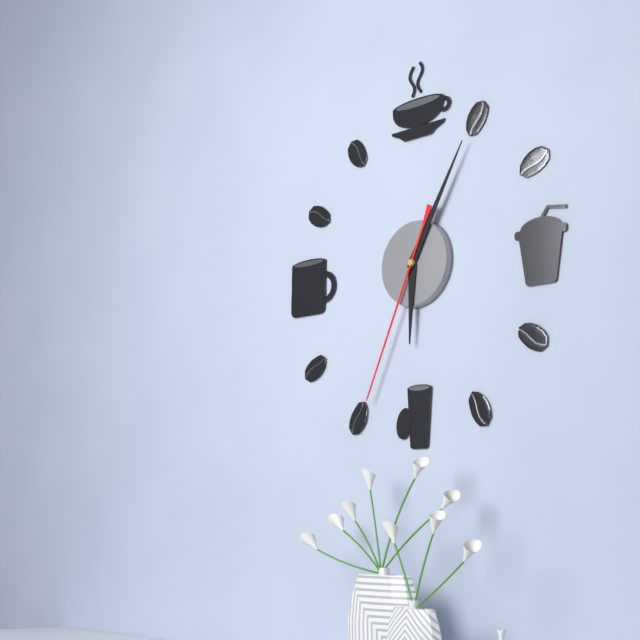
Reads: 6.05.34
